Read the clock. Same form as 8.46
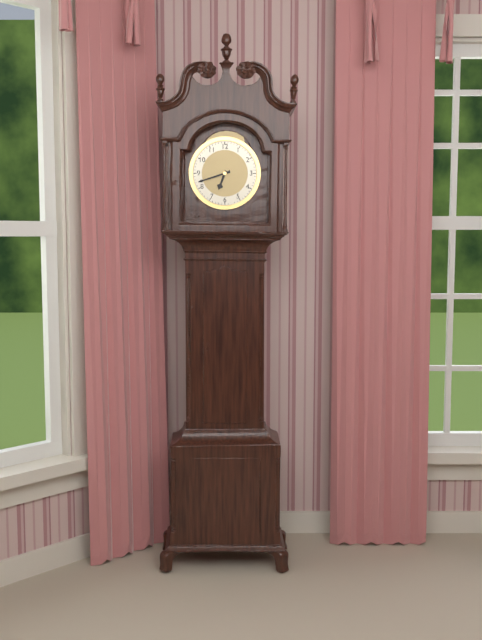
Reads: 6.42
